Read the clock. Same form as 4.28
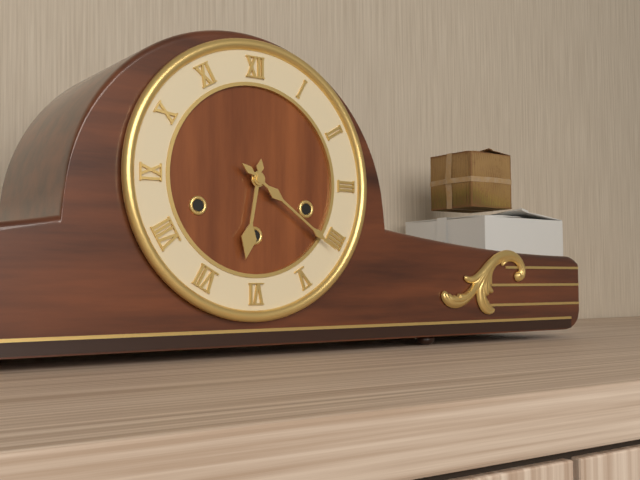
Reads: 6.21
